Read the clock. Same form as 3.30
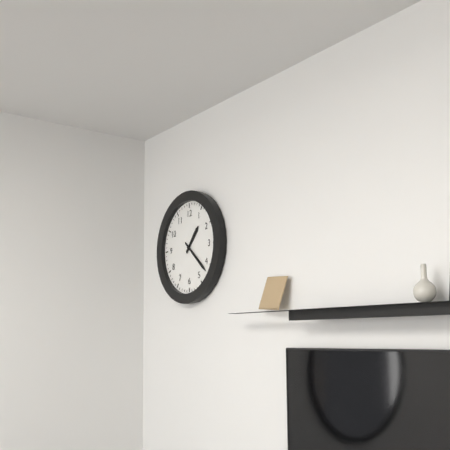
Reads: 1.22
